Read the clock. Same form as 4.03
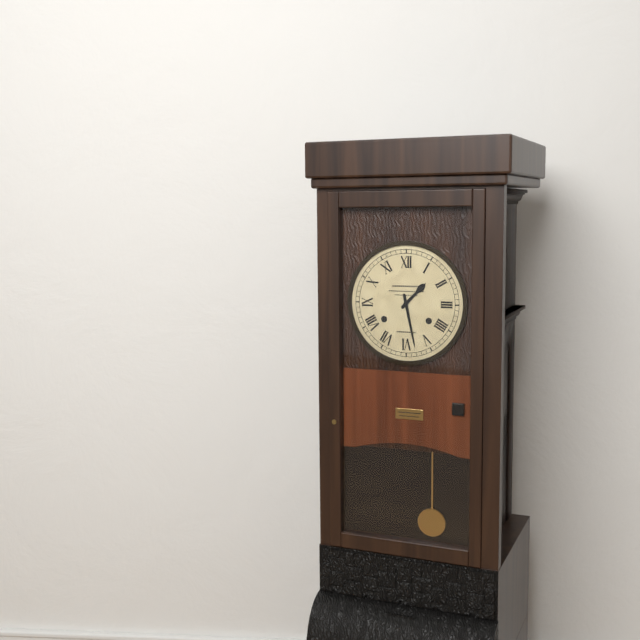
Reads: 1.28
